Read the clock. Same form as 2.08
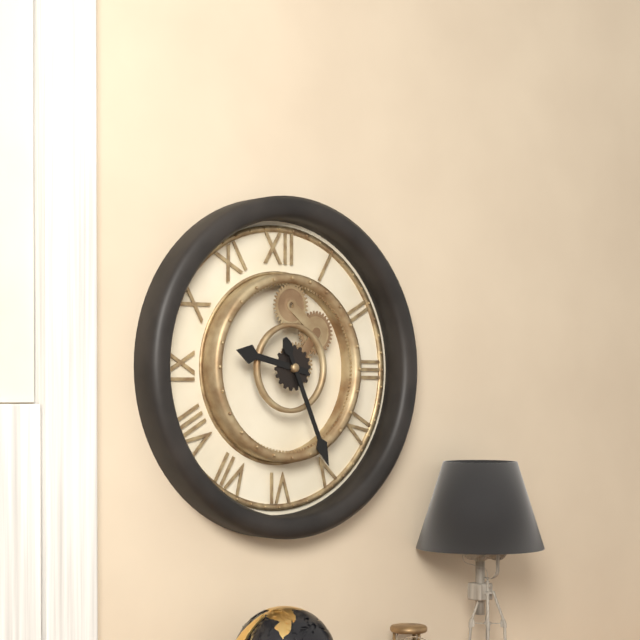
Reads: 9.26
